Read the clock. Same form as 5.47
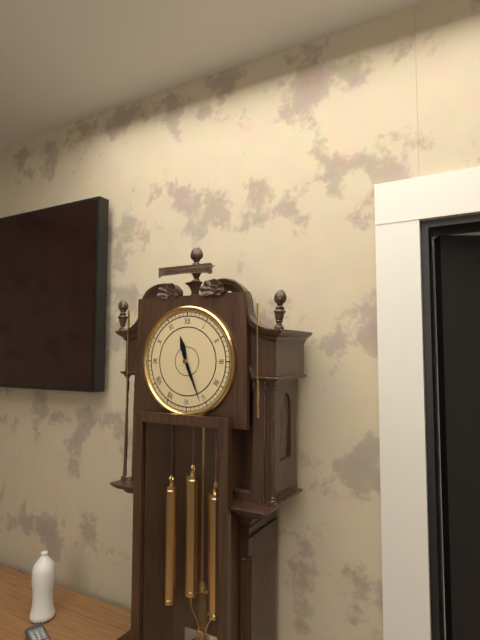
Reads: 11.26
